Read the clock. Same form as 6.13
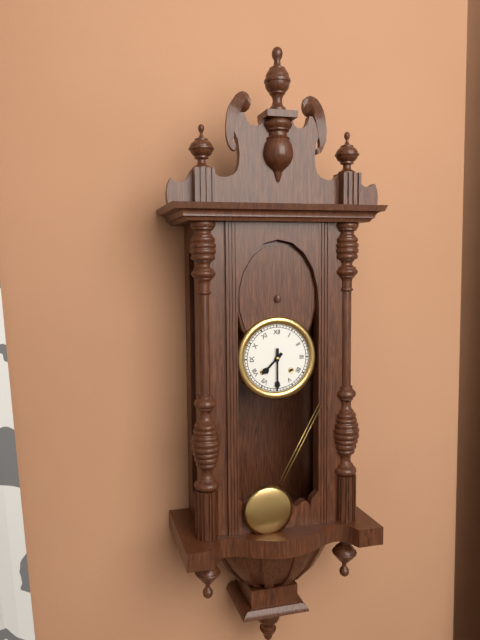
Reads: 7.30
